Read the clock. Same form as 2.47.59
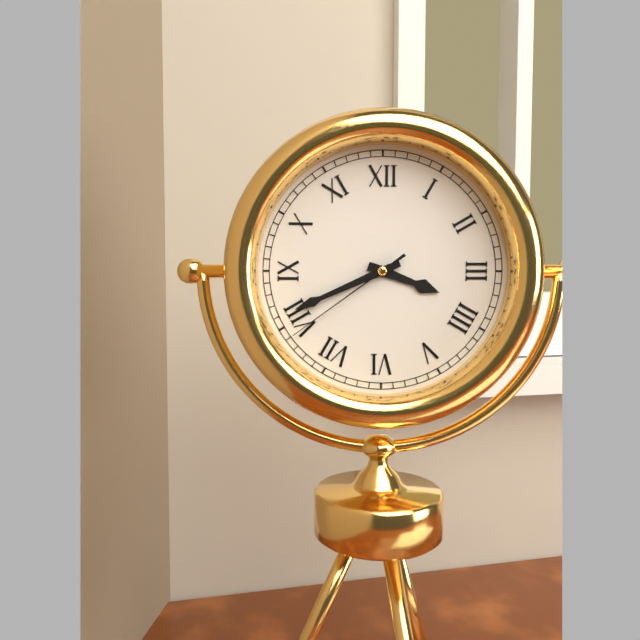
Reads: 3.41.39
